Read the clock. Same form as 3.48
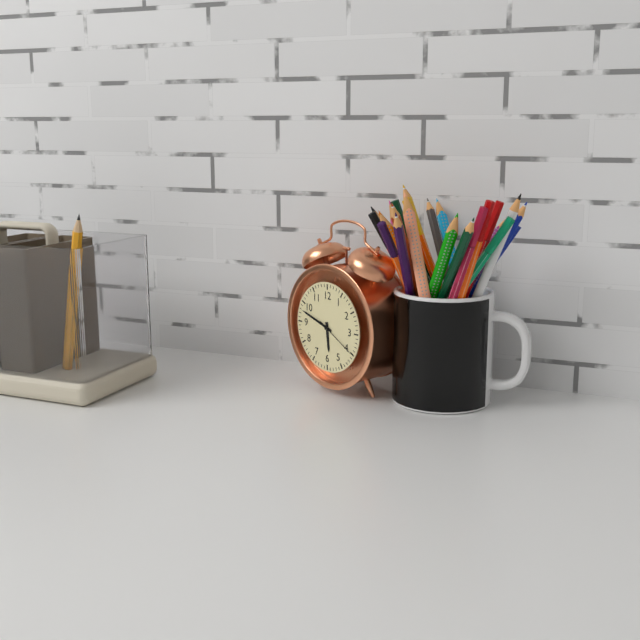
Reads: 5.48
